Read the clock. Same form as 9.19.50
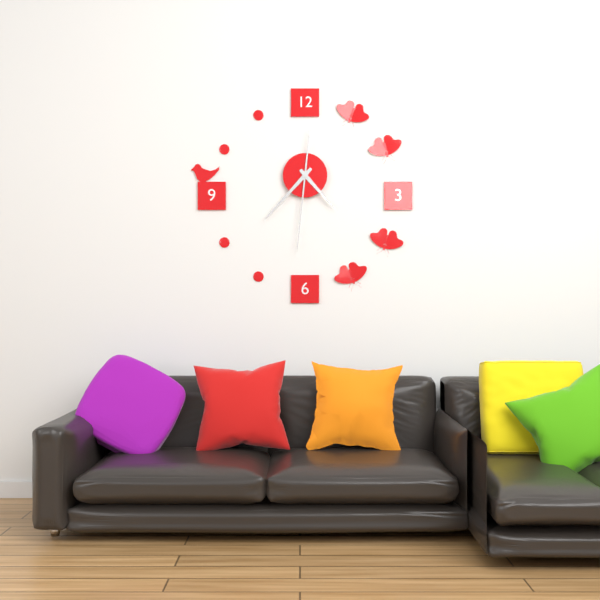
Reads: 4.37.31
